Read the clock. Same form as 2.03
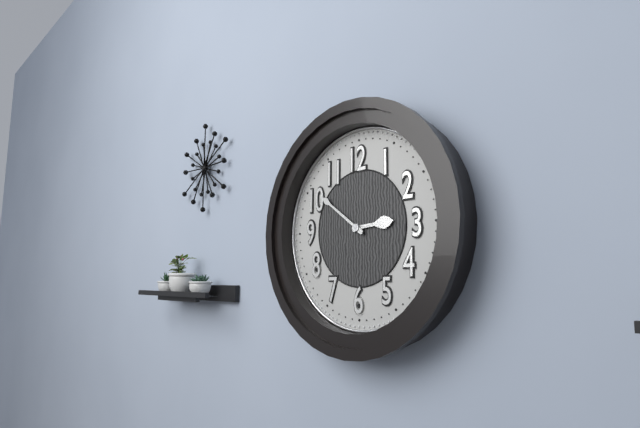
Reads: 2.51
